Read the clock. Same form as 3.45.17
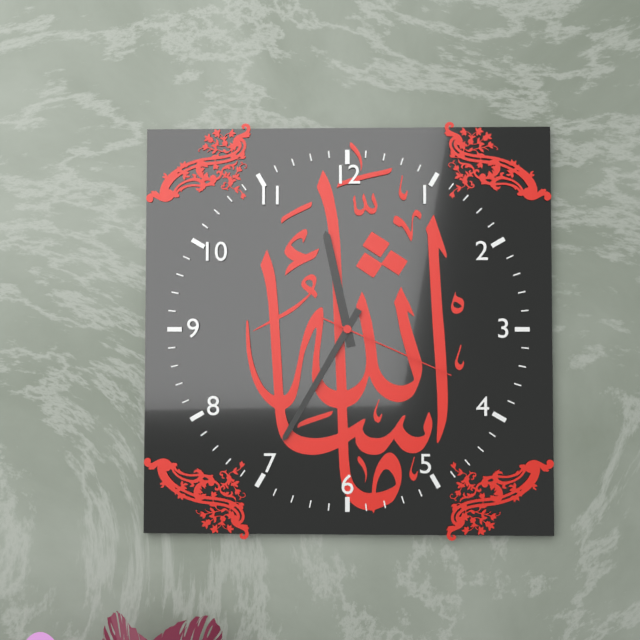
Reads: 11.35.19
